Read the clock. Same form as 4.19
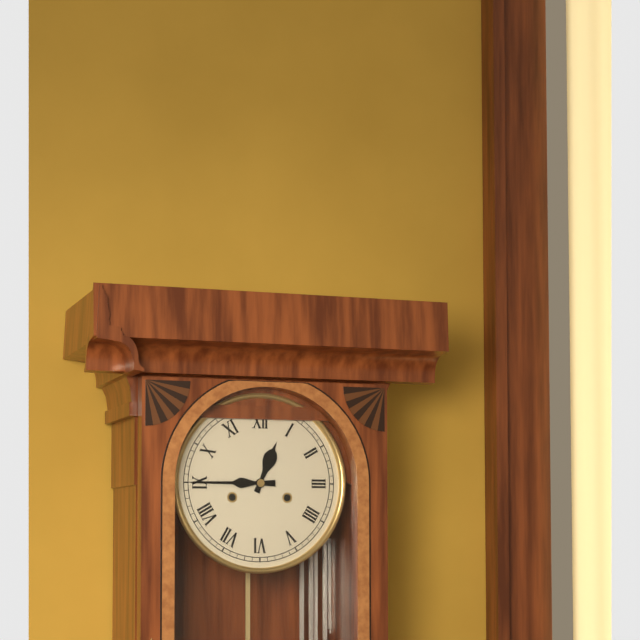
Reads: 12.45
